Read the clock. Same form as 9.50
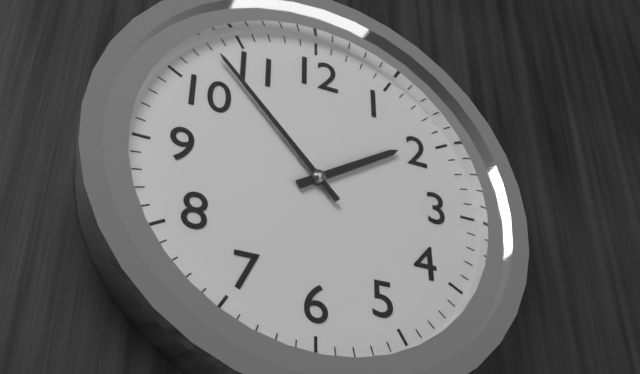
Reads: 1.53
